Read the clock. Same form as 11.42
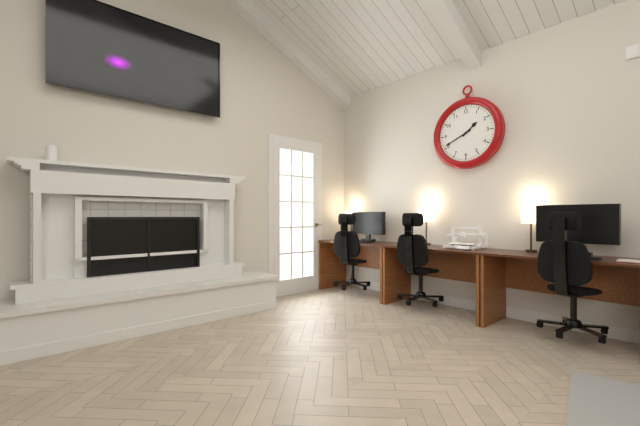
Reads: 1.41
